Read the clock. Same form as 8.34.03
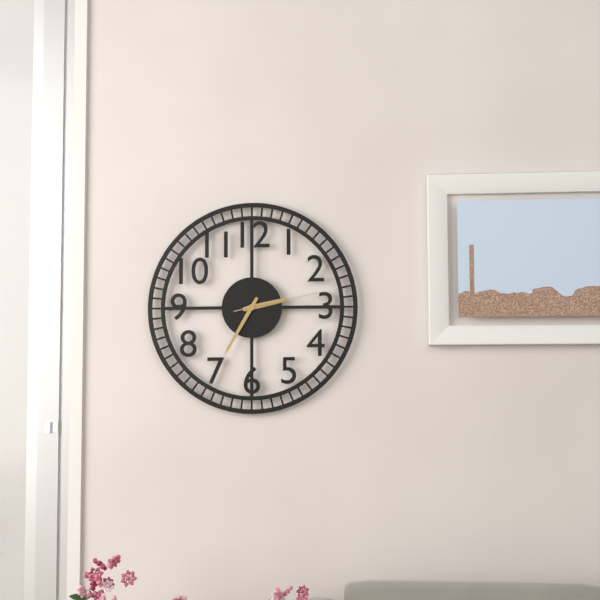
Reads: 2.35.13
